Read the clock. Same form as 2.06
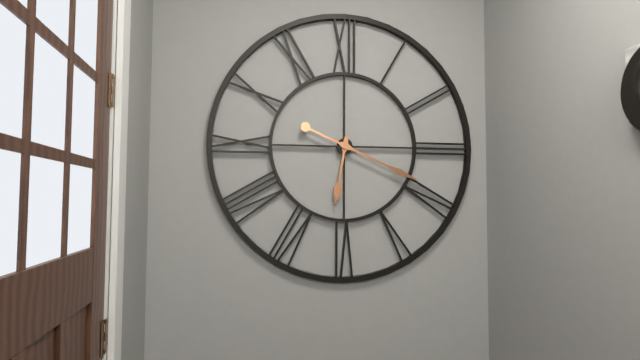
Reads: 6.19
